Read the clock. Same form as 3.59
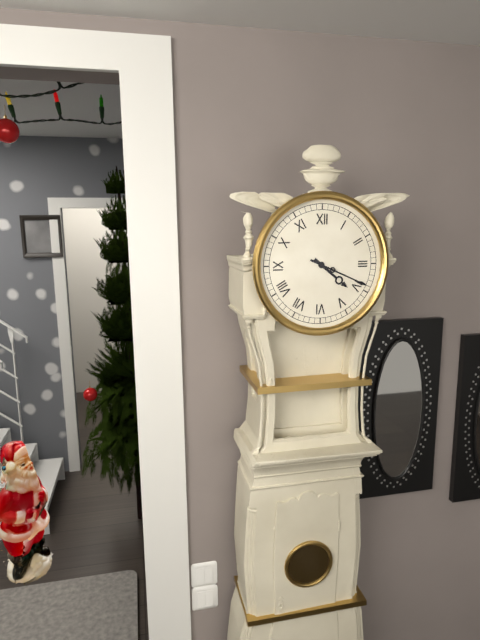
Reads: 4.19
